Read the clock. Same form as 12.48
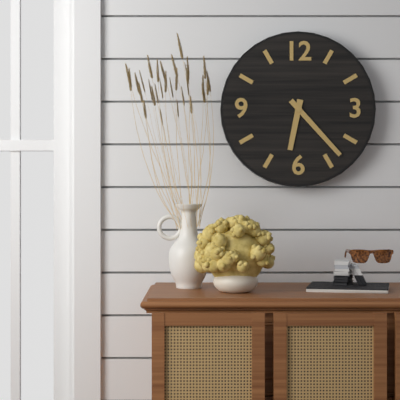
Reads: 6.23
